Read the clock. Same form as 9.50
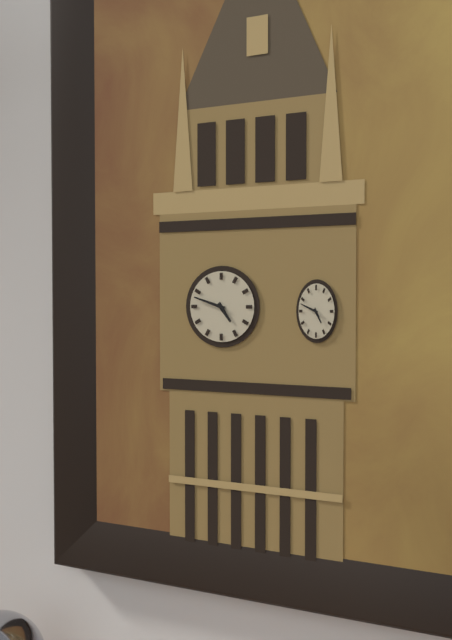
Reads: 4.48
